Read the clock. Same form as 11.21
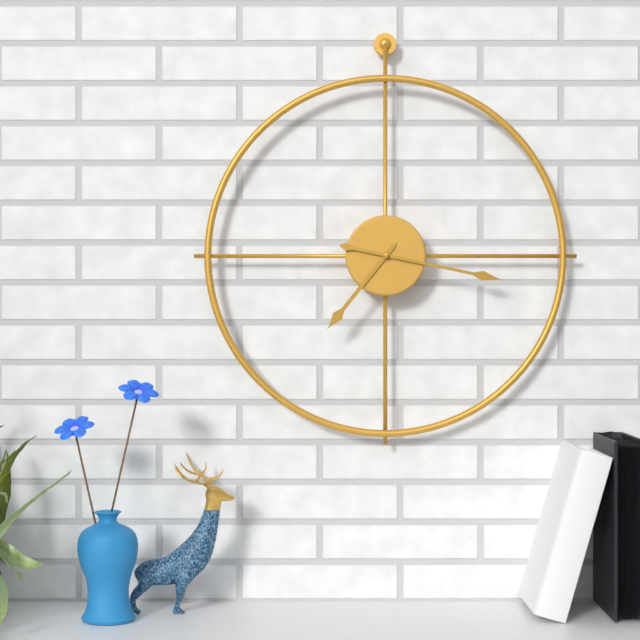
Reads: 7.17
